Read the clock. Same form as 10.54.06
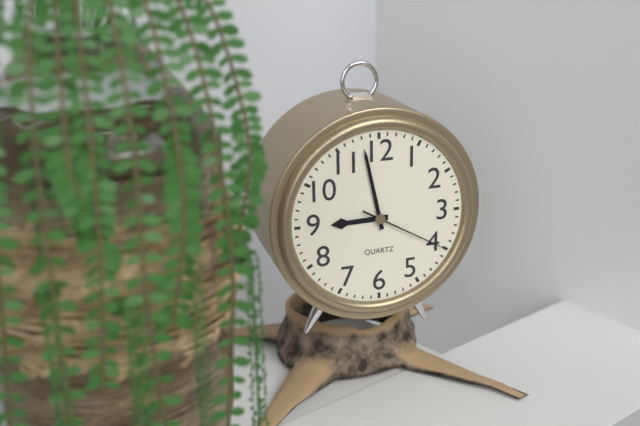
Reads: 8.58.20
